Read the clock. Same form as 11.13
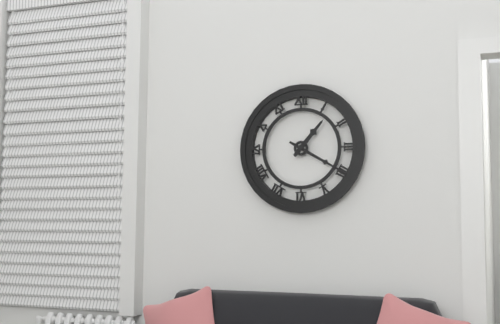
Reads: 1.20
